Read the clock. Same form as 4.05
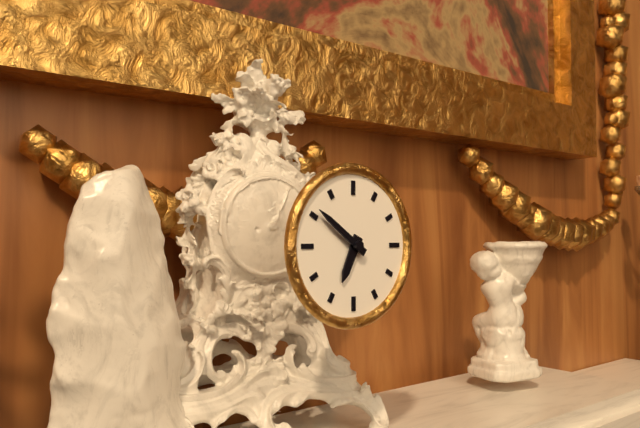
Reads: 6.51
